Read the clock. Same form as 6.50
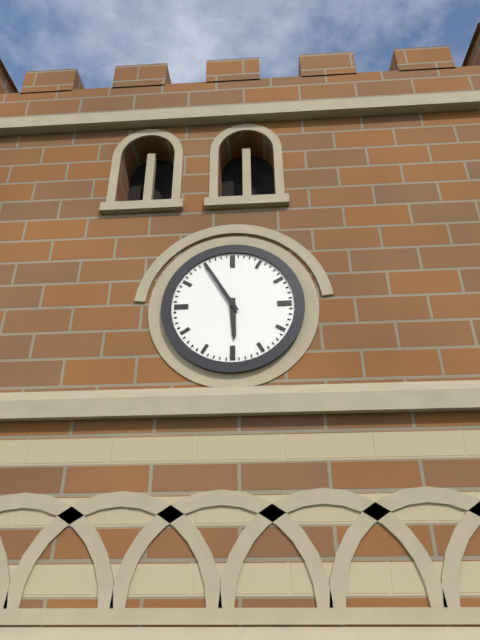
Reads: 5.55
